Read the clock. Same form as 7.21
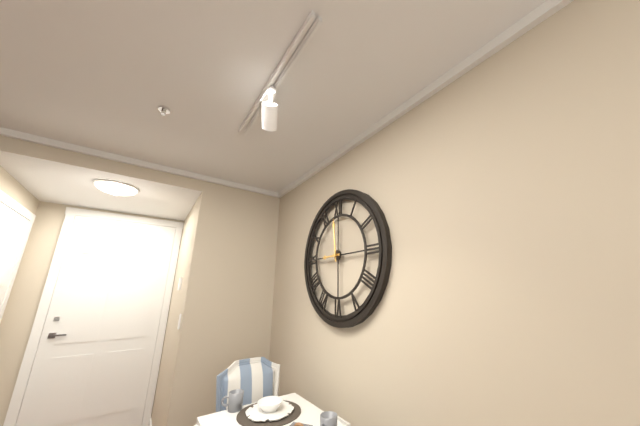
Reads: 8.59
